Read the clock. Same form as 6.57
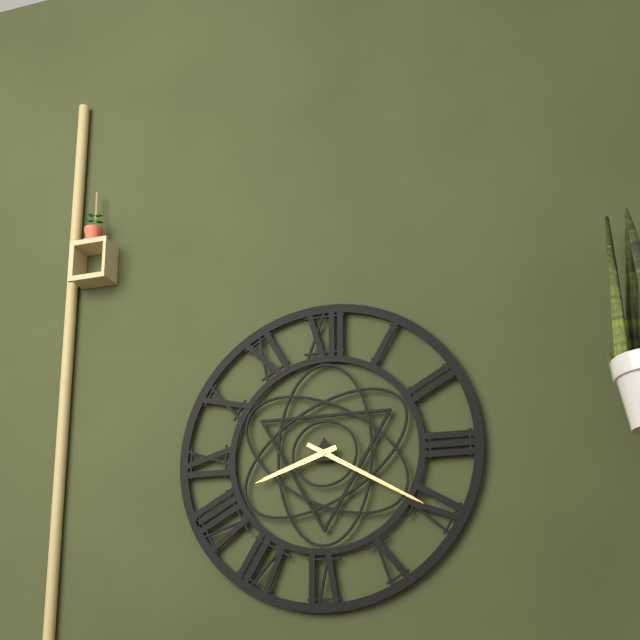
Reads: 8.20
